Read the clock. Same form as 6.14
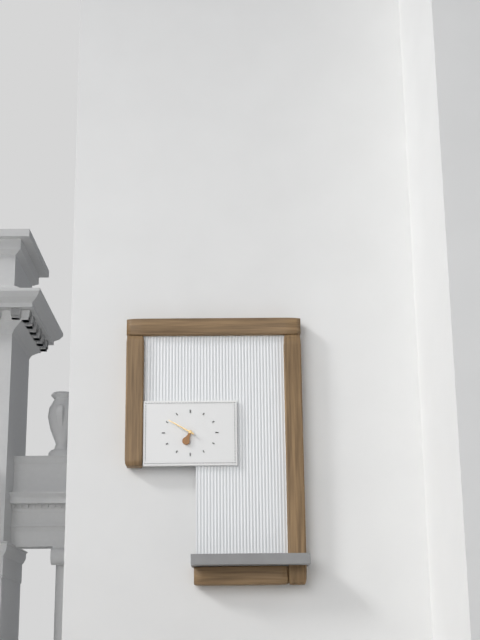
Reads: 6.50
